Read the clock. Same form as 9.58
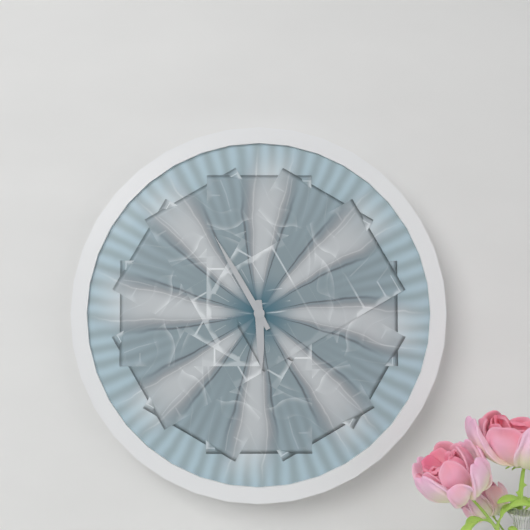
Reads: 5.55
